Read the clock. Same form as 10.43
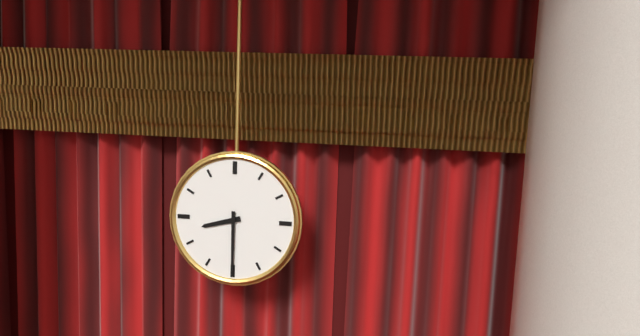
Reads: 8.30
